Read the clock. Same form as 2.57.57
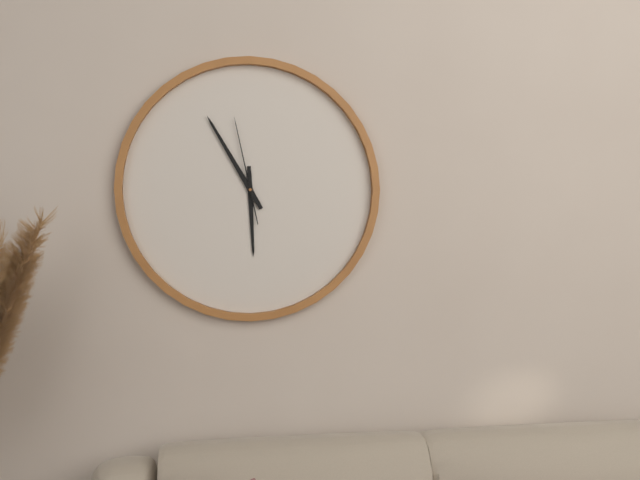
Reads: 5.55.58
